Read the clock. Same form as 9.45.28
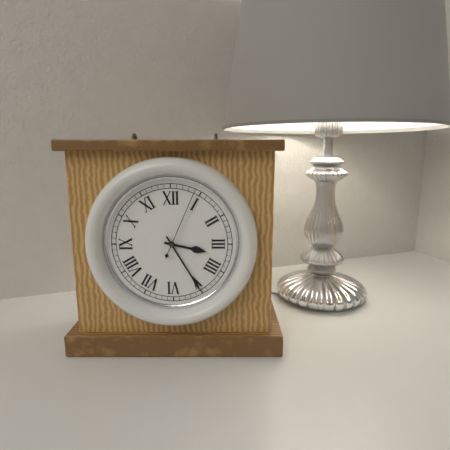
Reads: 3.25.04
